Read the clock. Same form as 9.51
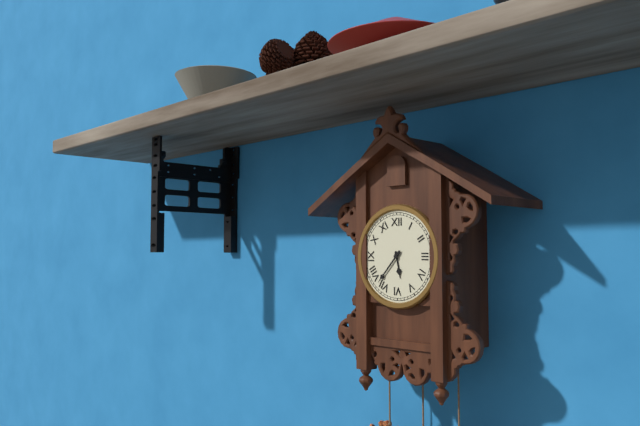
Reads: 5.37
